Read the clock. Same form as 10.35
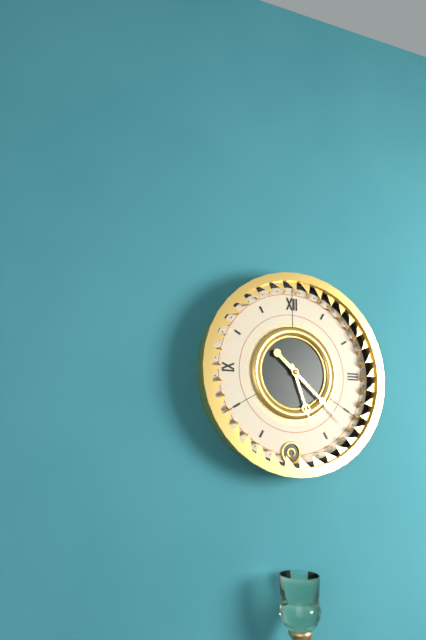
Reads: 5.22
